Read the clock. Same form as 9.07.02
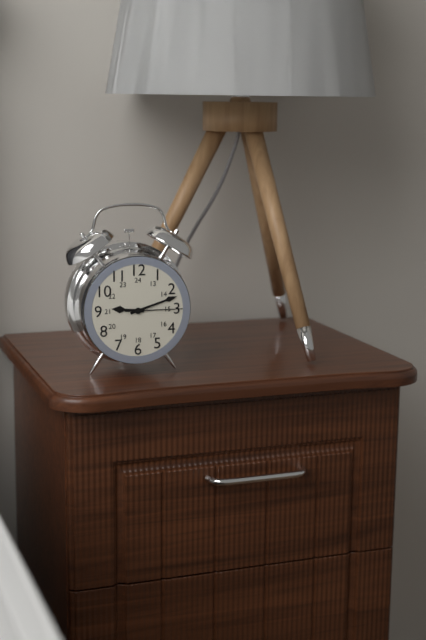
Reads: 9.12.15
